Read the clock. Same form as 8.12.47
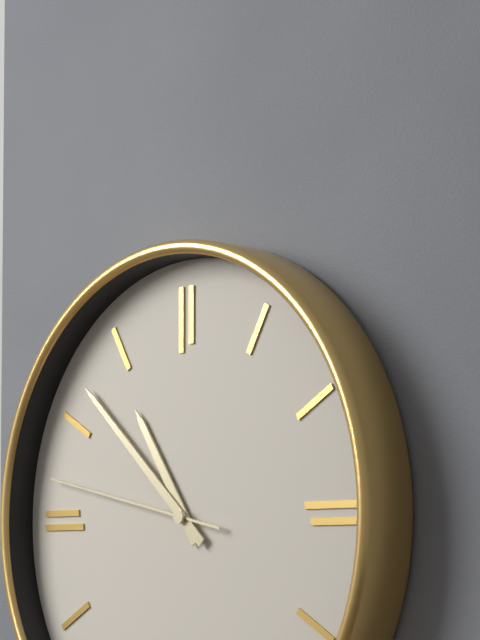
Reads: 10.52.47
